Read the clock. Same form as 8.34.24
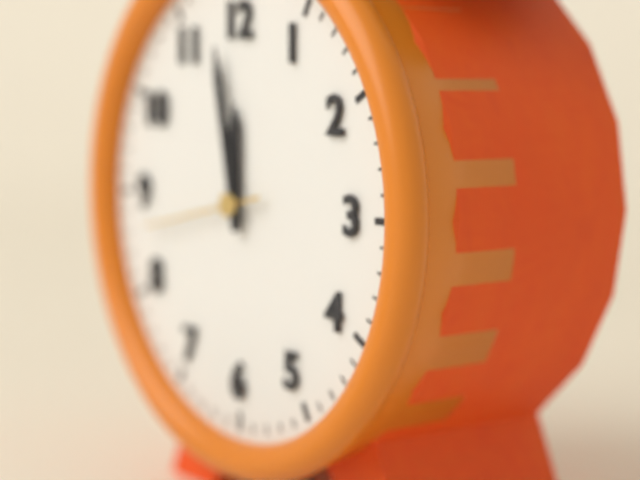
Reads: 11.58.43
